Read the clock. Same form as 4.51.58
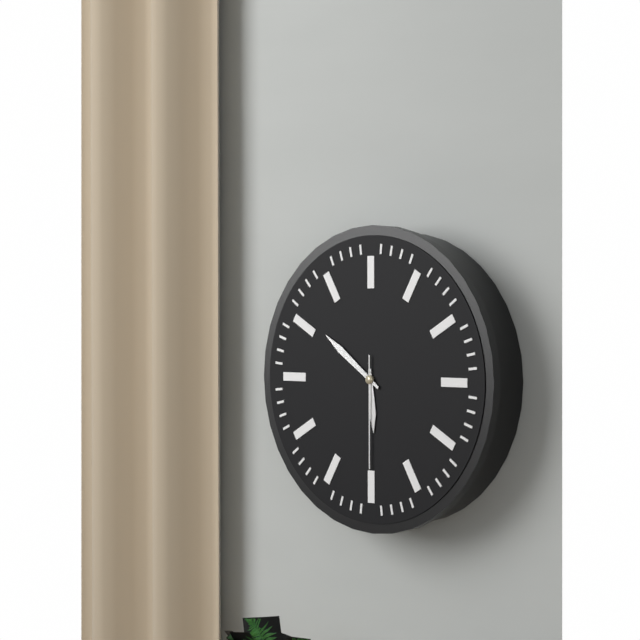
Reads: 5.51.30
